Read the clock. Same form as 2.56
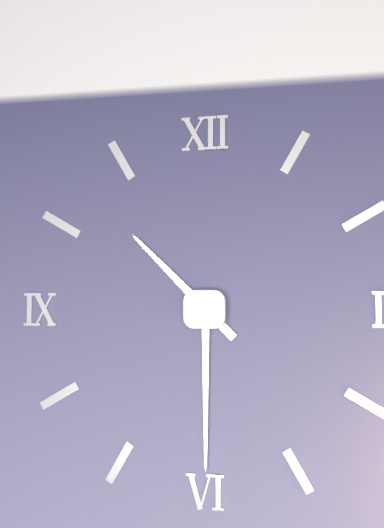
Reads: 10.30
